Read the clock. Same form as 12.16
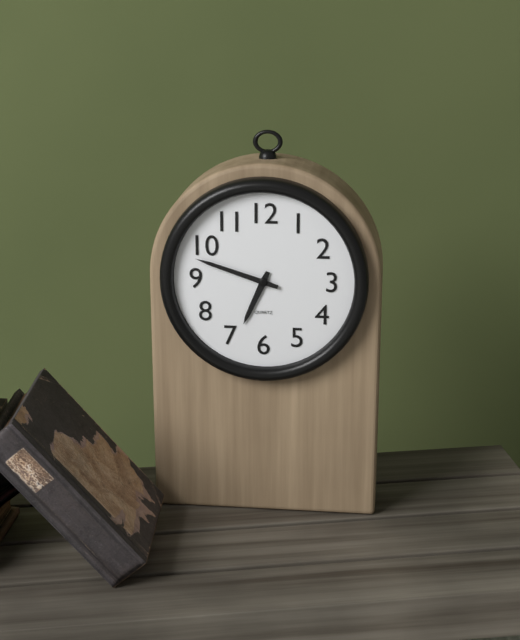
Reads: 6.48
